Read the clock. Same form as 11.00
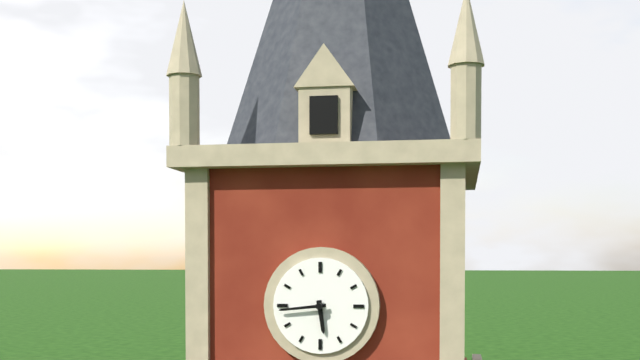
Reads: 5.44
